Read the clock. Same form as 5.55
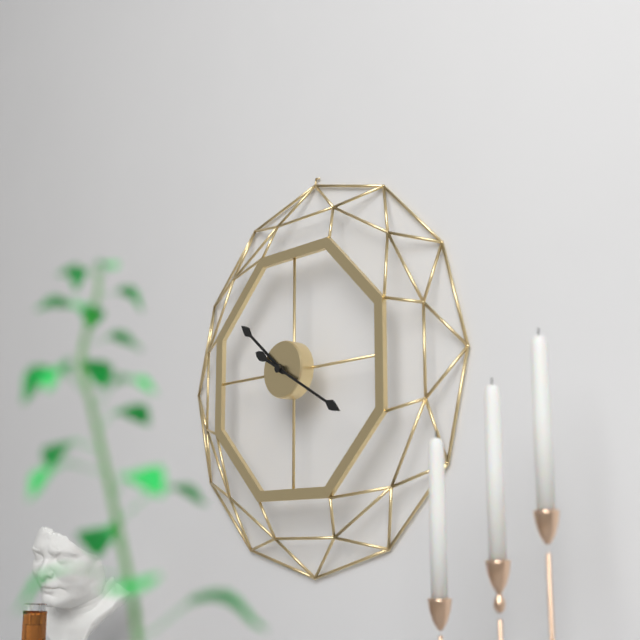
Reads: 10.20
